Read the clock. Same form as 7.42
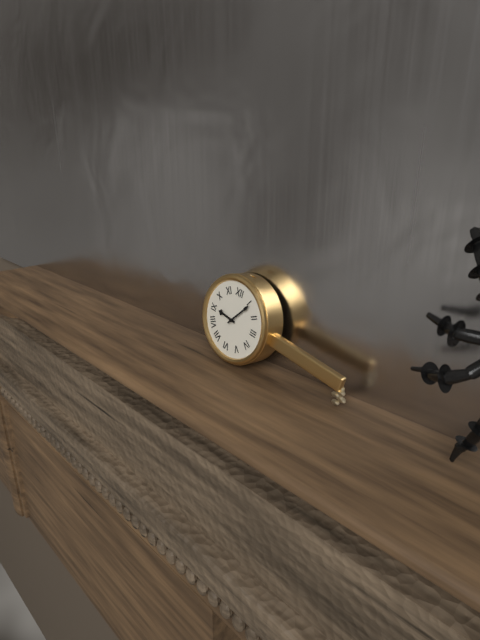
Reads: 9.06
